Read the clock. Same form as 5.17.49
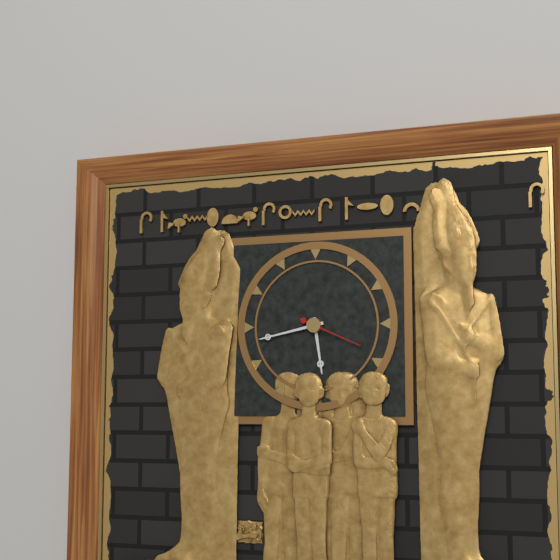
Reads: 5.43.19
